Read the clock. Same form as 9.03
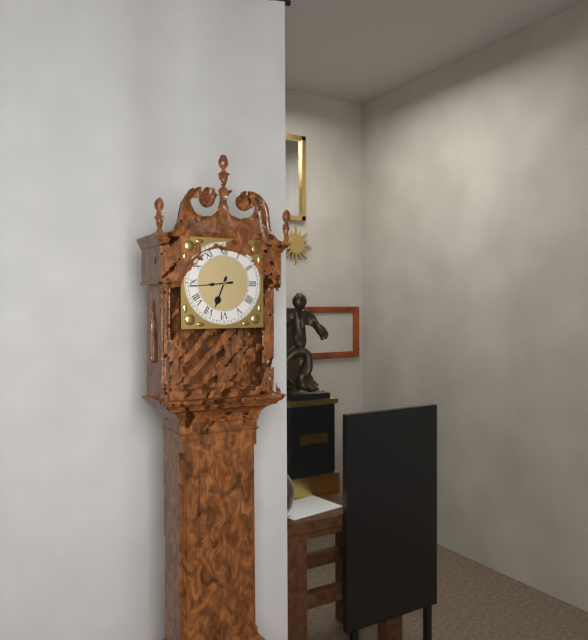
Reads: 6.44
